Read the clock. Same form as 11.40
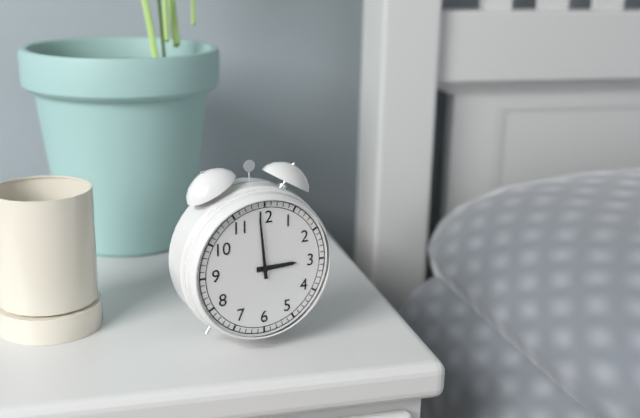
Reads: 2.59
